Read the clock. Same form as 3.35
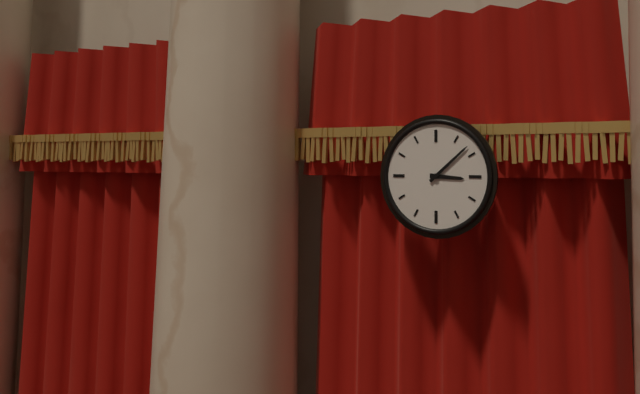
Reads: 3.08
